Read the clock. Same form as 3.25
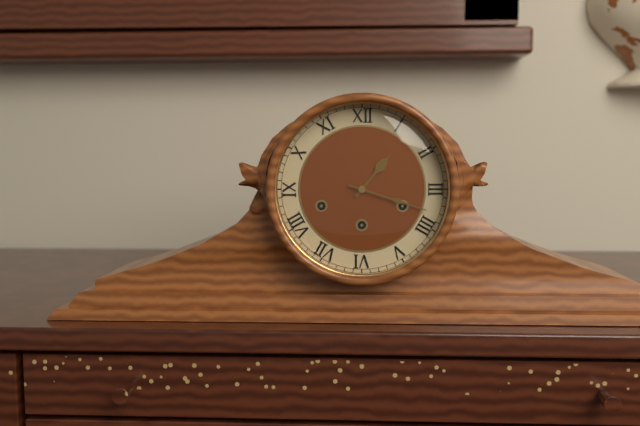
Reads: 1.18
